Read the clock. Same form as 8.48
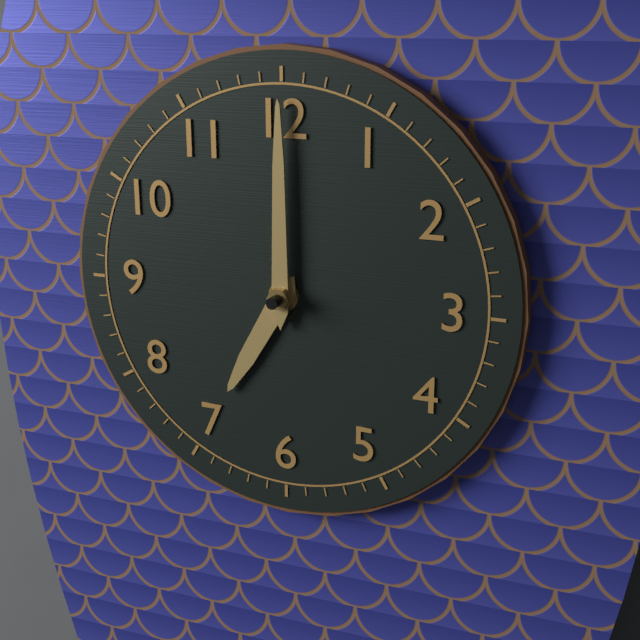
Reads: 7.00
